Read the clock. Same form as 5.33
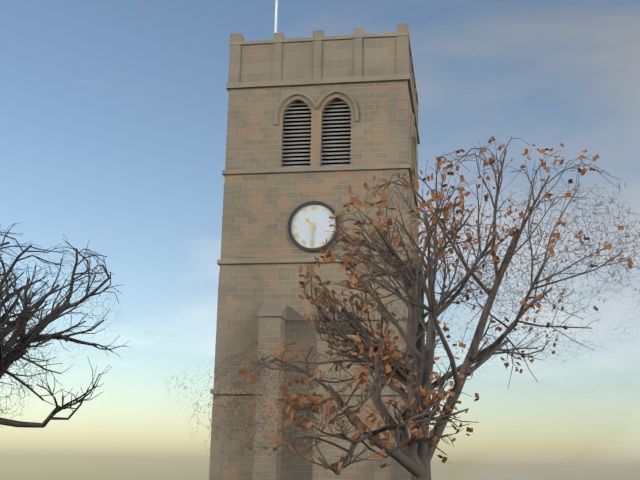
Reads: 10.31
